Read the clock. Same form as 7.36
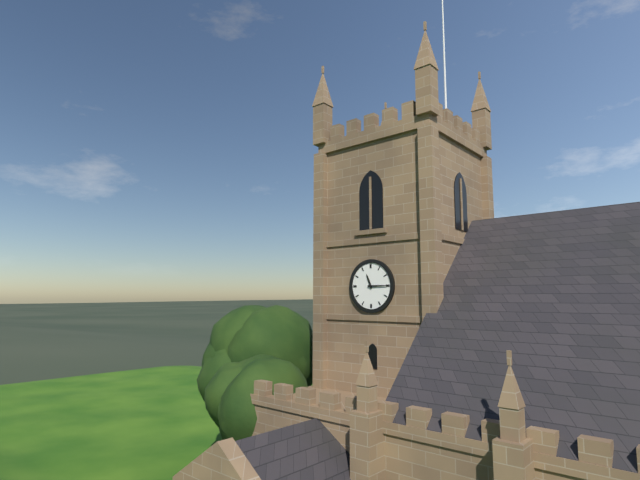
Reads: 11.15
